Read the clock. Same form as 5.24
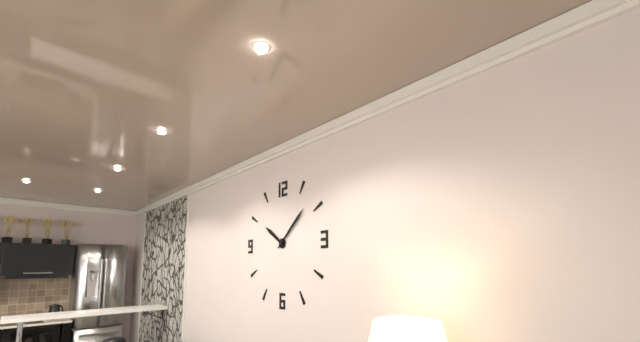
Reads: 10.08
